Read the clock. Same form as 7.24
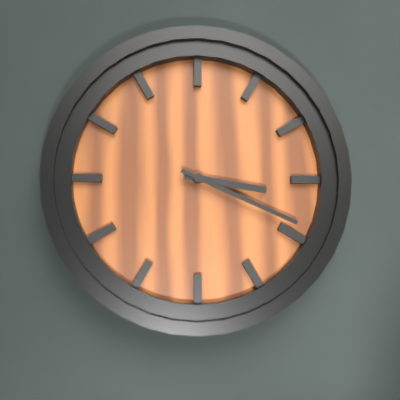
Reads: 3.19
